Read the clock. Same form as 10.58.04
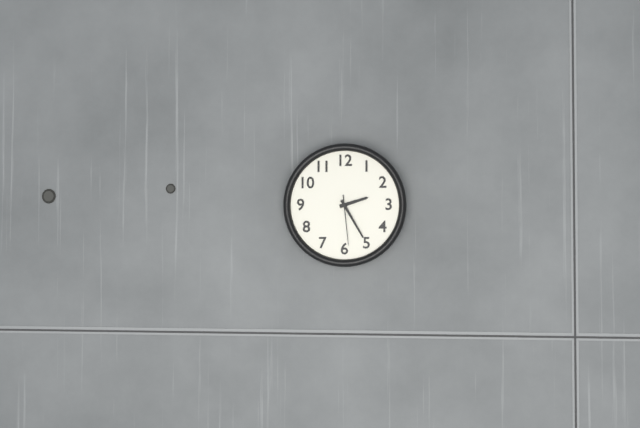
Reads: 2.25.29
